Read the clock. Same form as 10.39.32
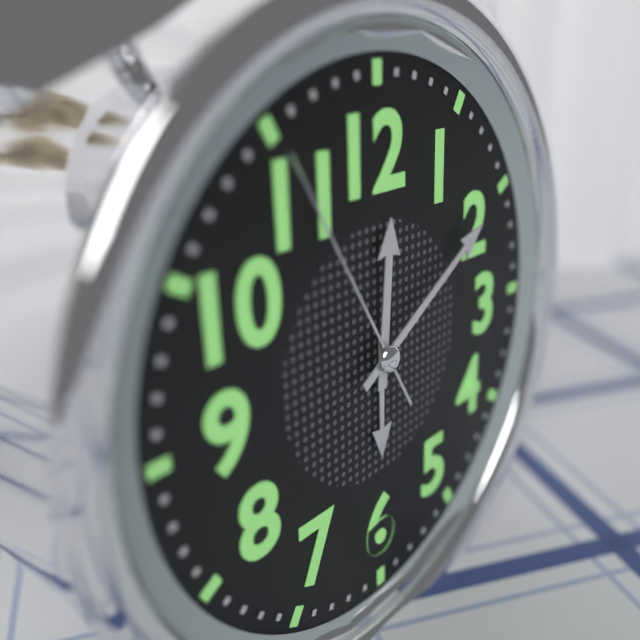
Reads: 12.10.55
